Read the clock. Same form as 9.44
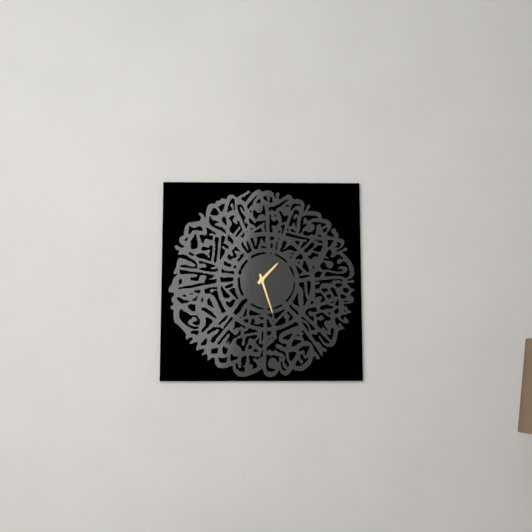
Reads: 1.27
